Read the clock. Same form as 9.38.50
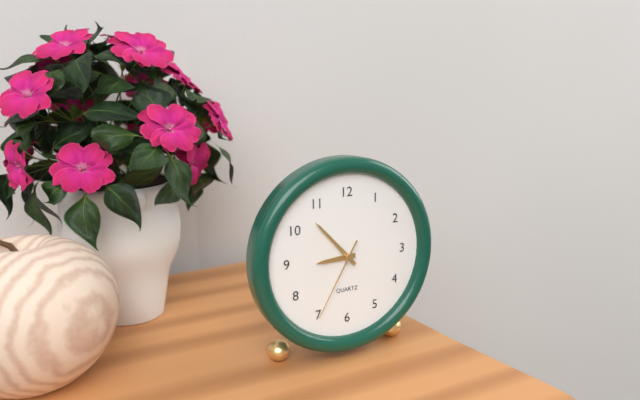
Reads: 8.53.35
